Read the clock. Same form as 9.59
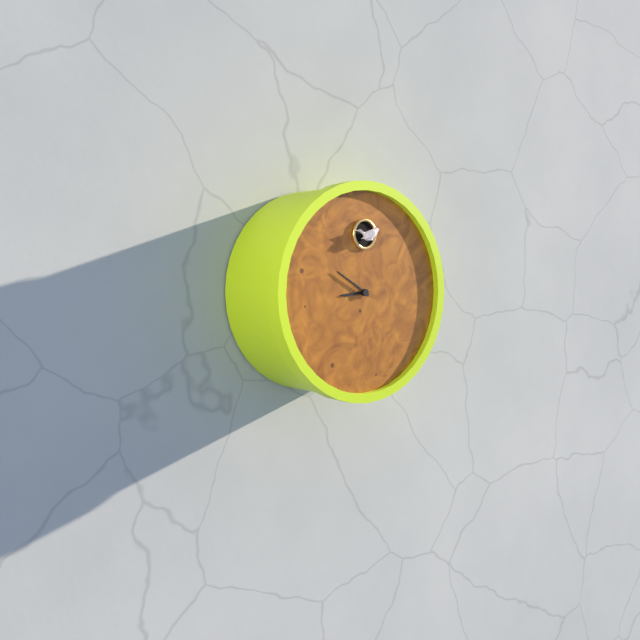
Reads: 8.50
